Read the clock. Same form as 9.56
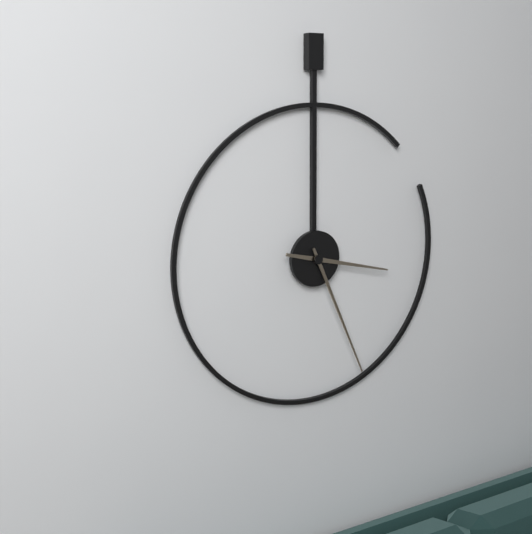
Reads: 3.26
